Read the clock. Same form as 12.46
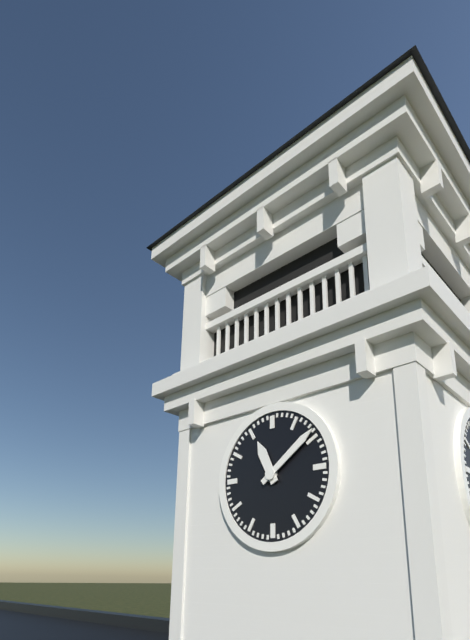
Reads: 11.09
